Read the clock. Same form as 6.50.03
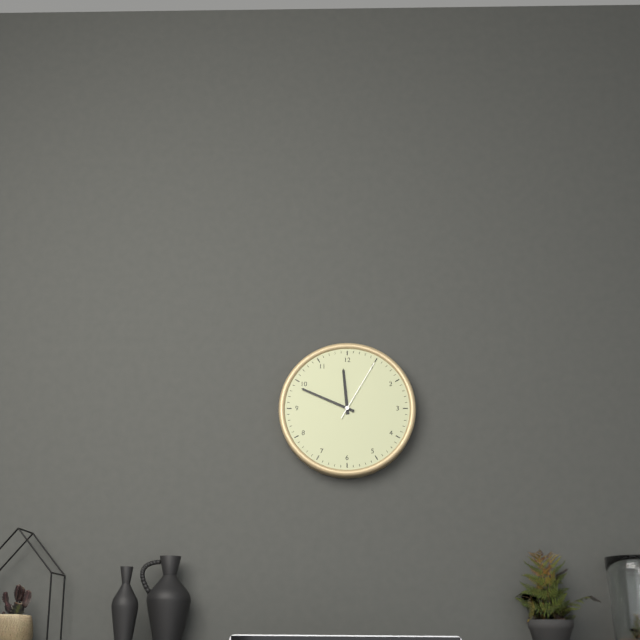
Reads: 11.49.05
